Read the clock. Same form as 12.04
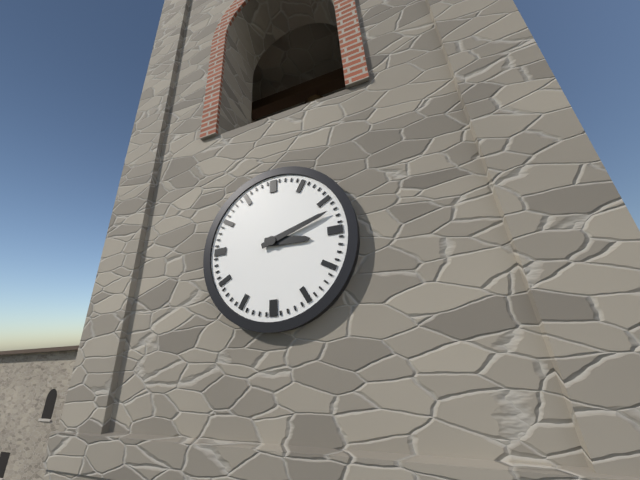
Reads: 3.12
